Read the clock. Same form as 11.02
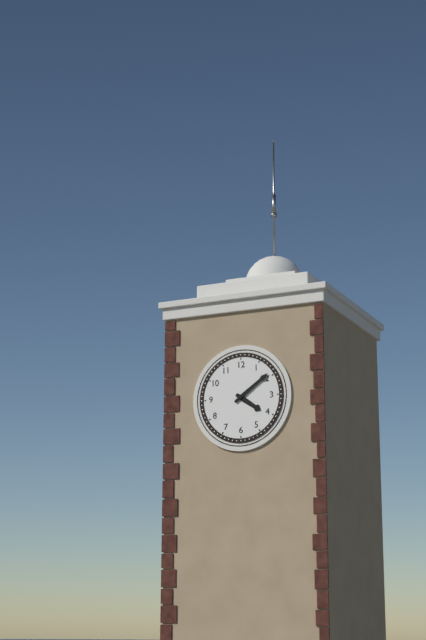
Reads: 4.09
